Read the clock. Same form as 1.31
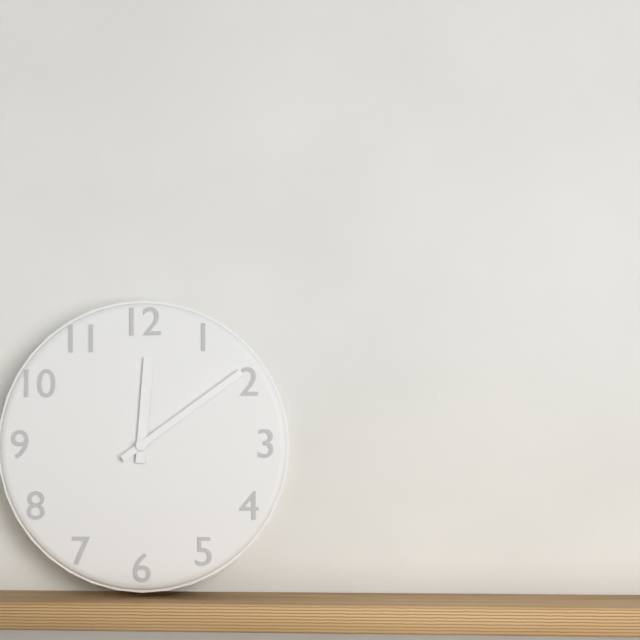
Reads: 12.09
